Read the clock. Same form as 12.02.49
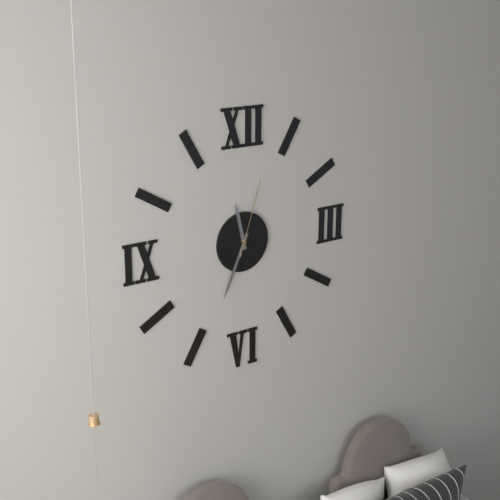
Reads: 11.34.03
